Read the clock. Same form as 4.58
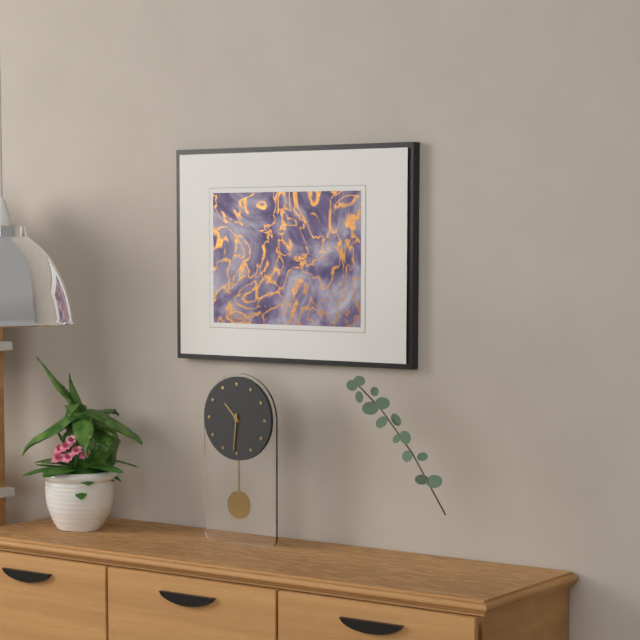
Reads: 10.31
